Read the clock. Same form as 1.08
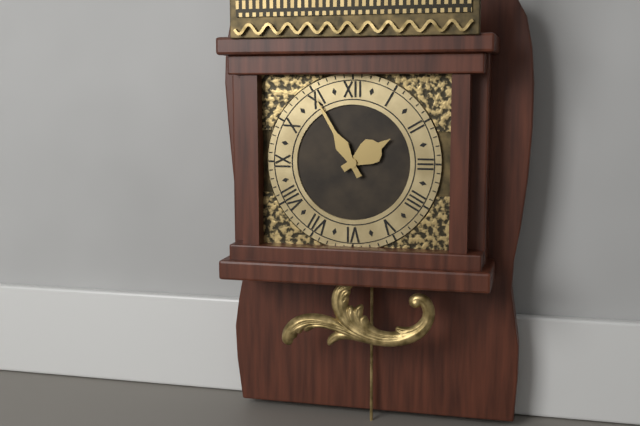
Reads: 1.55
